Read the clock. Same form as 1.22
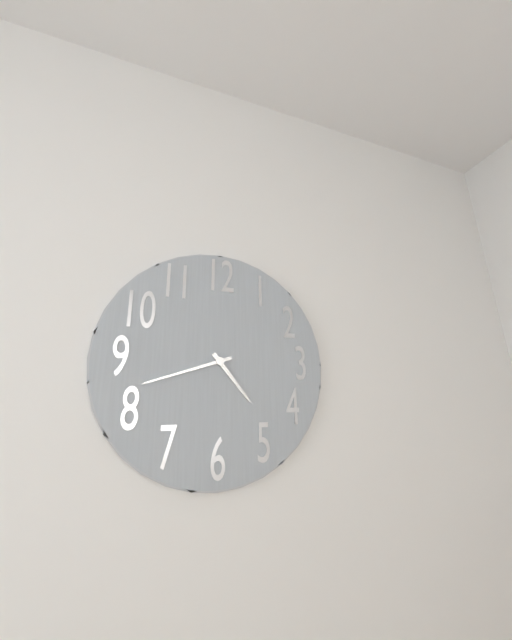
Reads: 4.42
